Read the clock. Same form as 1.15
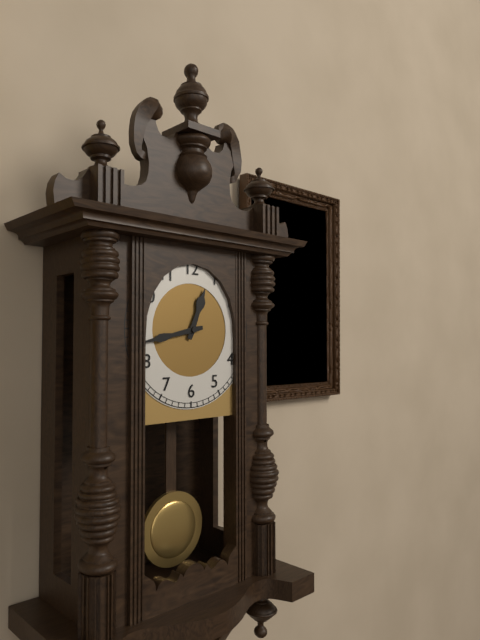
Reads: 12.43
